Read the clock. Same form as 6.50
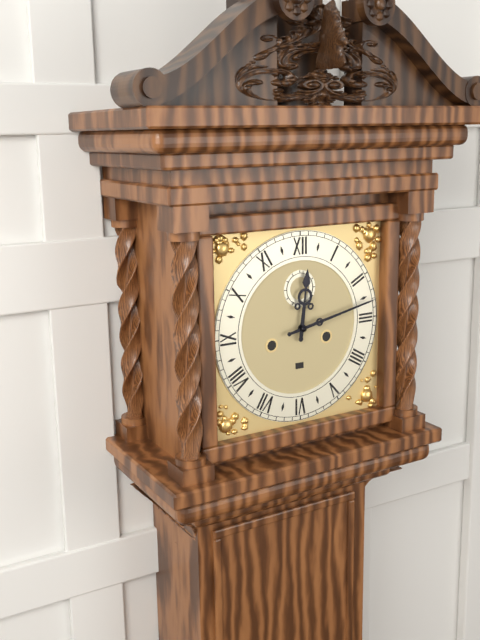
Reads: 12.13
